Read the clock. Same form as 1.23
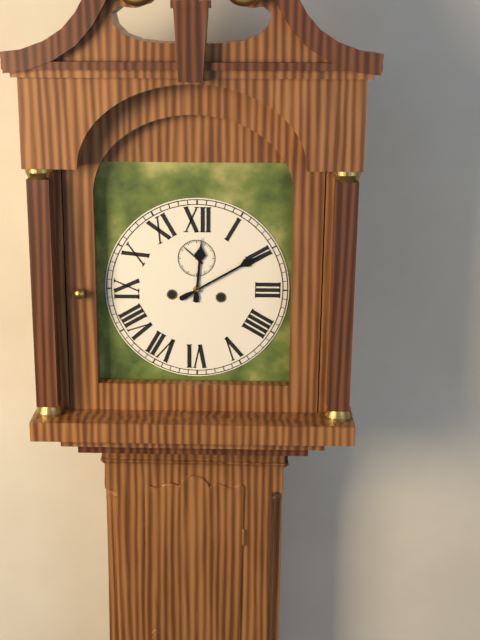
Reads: 12.10
